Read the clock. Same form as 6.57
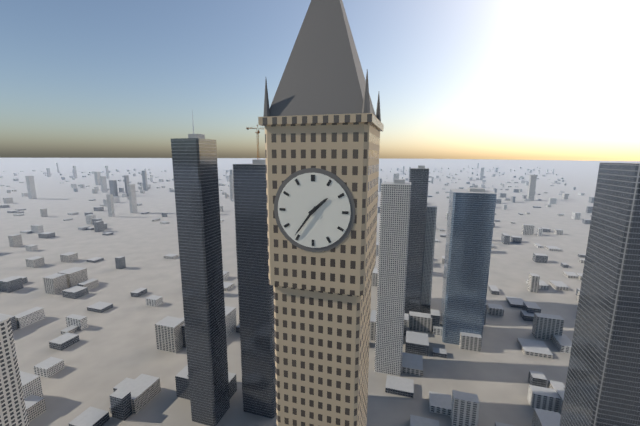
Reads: 1.36
